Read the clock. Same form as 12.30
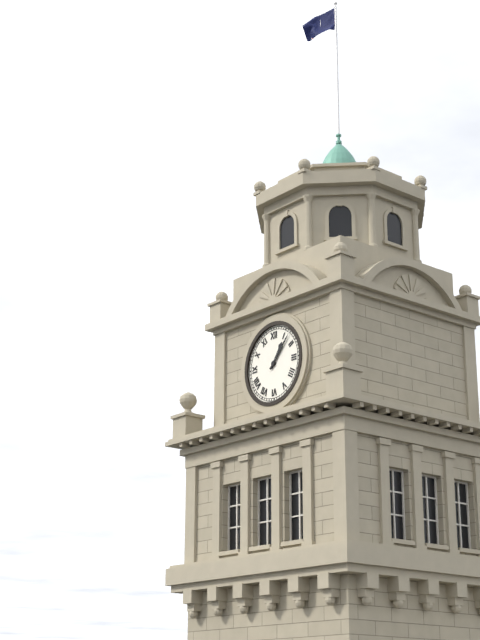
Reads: 1.07
